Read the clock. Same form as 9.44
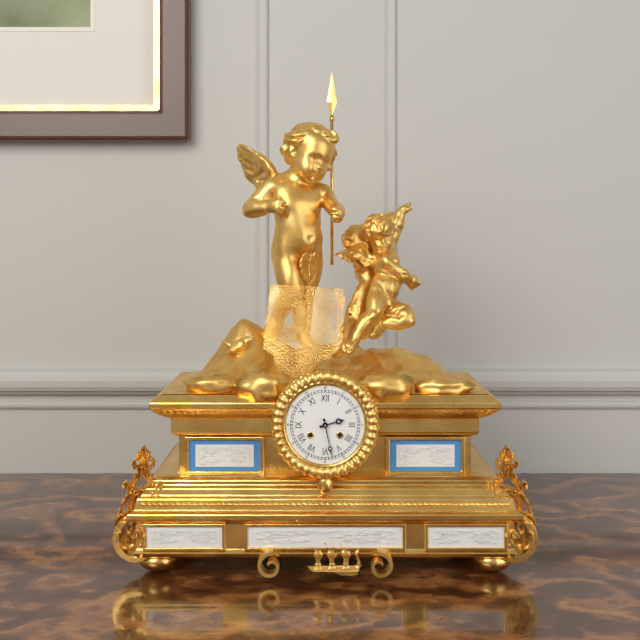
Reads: 2.28
